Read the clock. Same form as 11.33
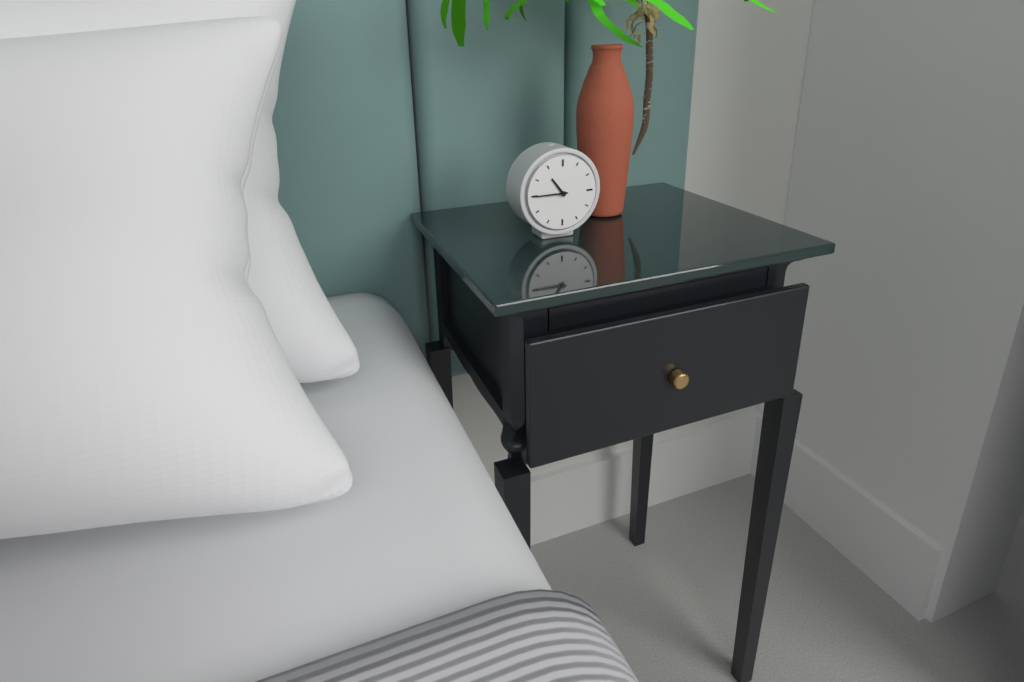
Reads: 10.45
